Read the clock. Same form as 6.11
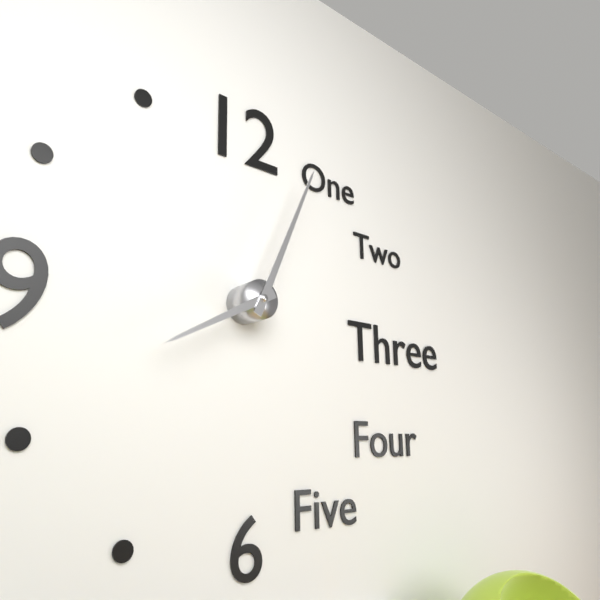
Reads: 8.04
